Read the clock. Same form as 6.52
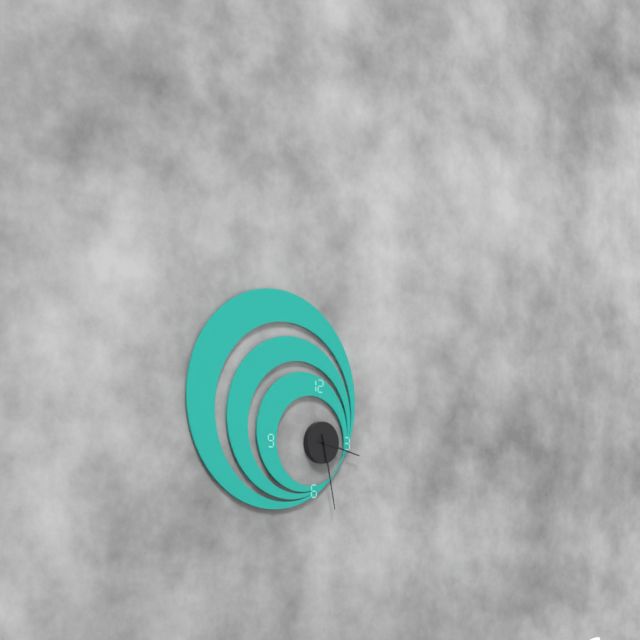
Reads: 3.28
